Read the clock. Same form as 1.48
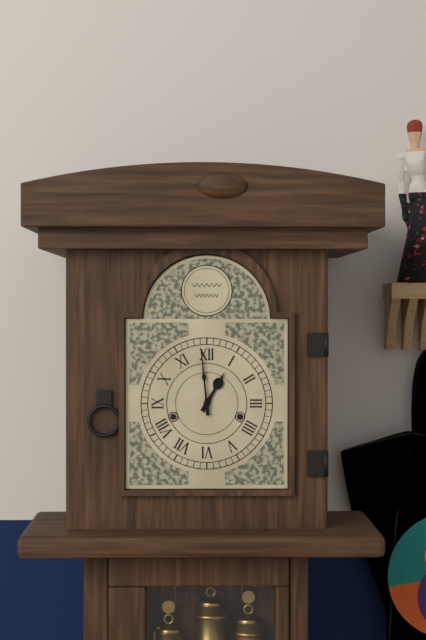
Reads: 12.59
